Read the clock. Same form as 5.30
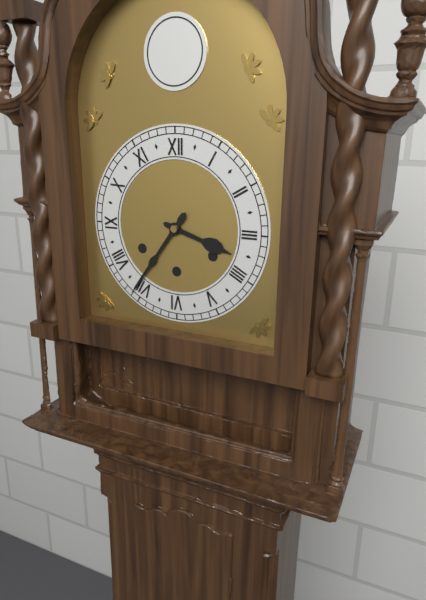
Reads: 3.36
